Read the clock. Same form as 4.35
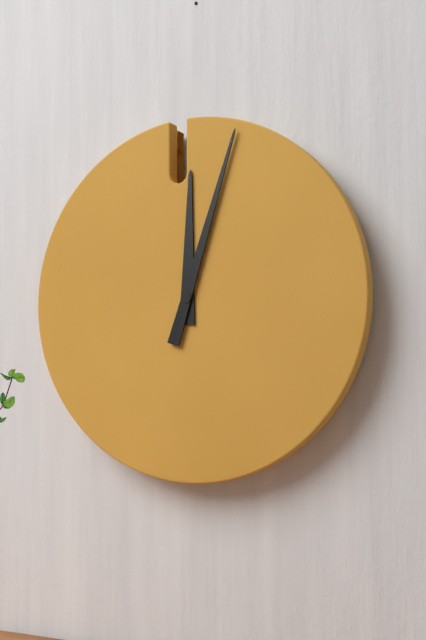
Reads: 12.03
